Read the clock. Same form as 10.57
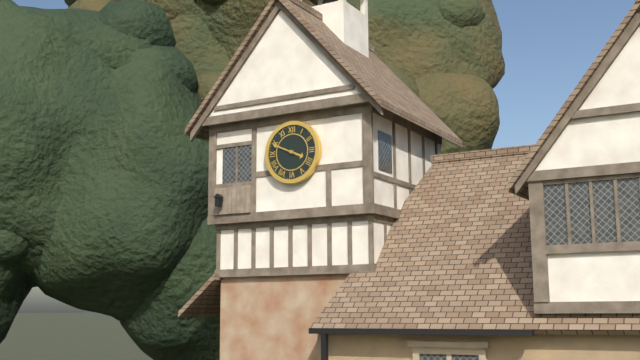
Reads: 3.49
